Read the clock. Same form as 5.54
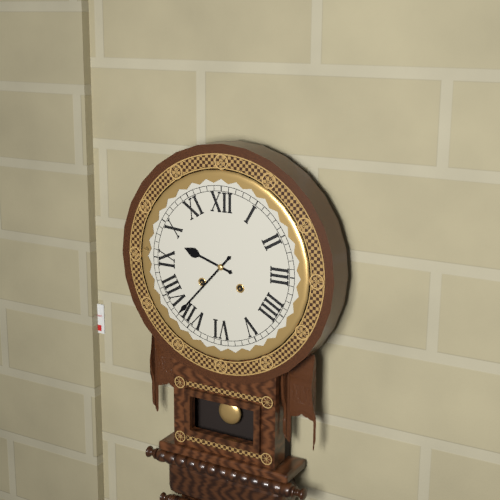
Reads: 9.37
